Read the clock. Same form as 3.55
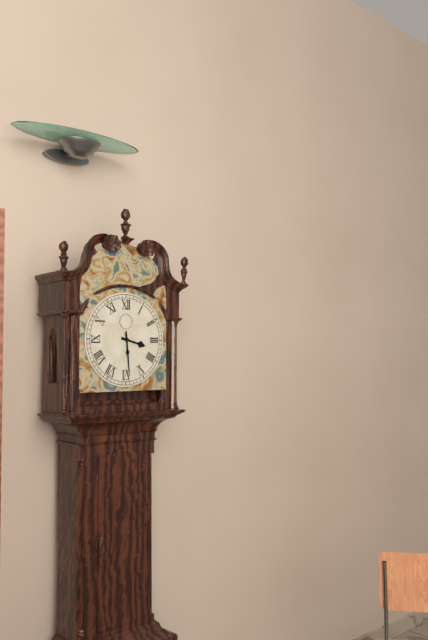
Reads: 3.29
